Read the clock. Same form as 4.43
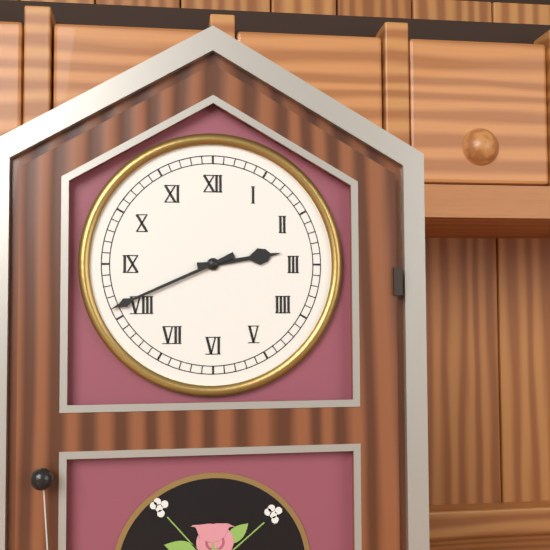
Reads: 2.41
